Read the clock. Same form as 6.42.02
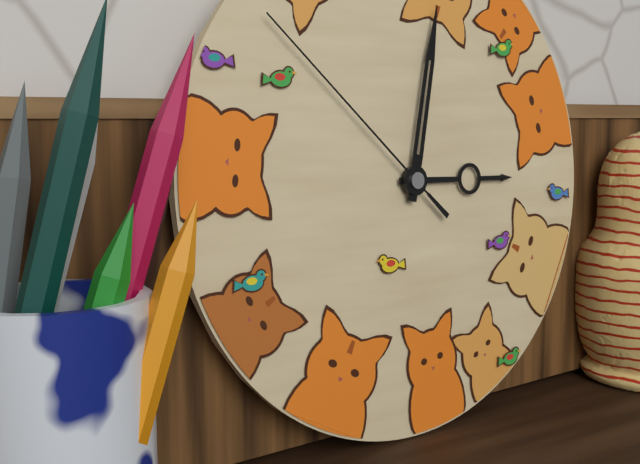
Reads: 3.02.52
